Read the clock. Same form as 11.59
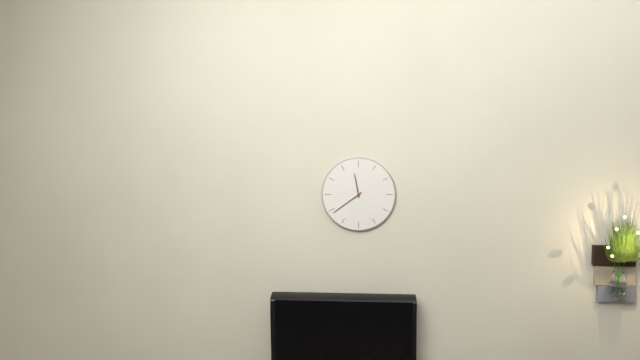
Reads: 11.39
